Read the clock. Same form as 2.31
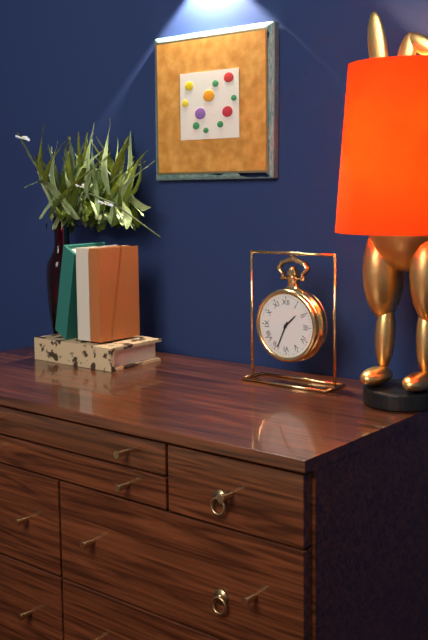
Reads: 1.34
